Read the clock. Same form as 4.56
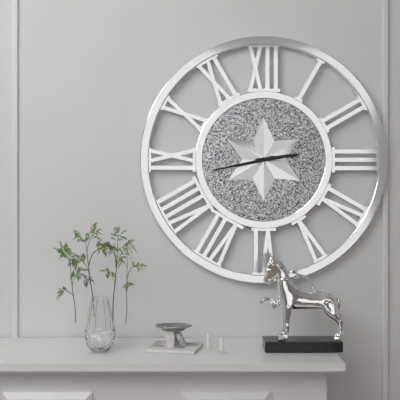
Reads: 2.43
